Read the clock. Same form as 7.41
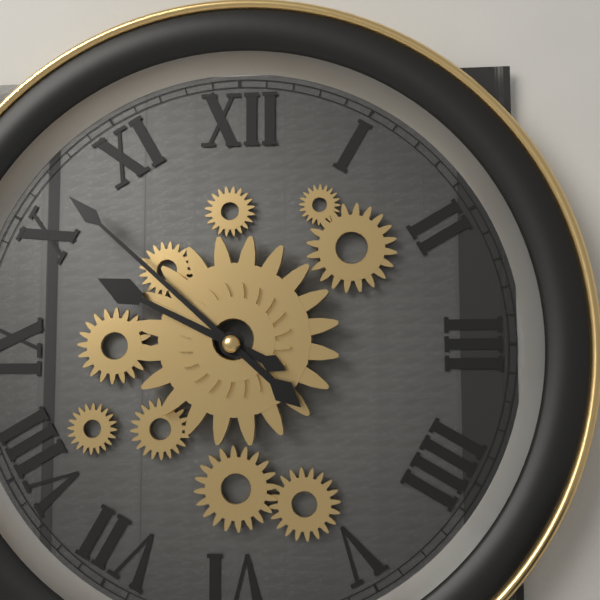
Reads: 9.52
